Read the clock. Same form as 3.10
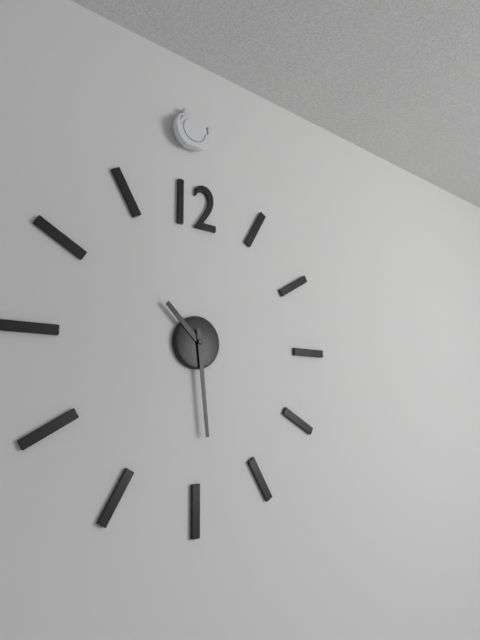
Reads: 10.29
